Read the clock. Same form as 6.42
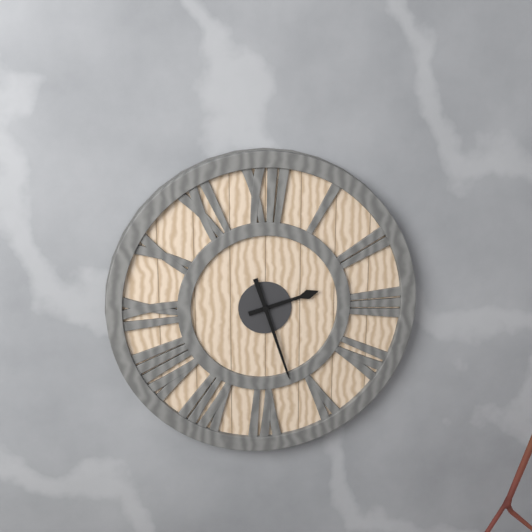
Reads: 2.27
